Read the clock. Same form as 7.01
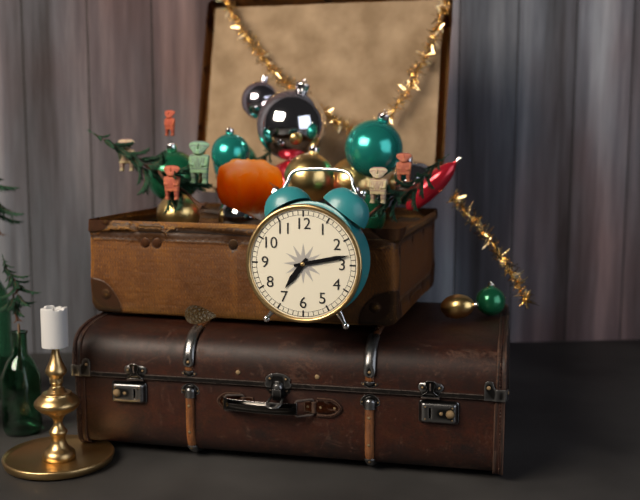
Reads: 7.13
